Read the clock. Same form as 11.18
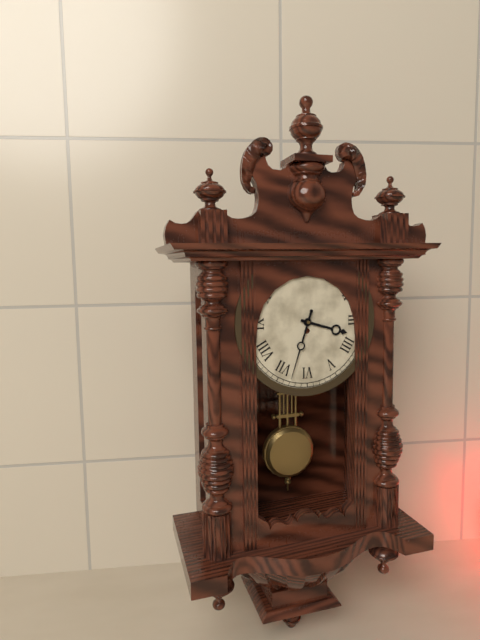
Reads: 3.33
